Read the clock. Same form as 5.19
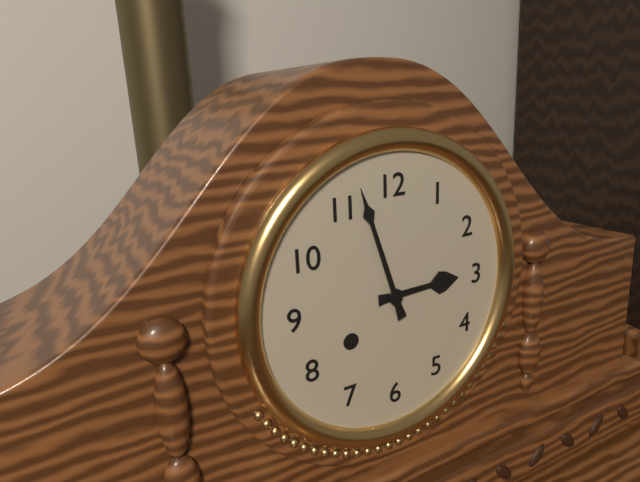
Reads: 2.57
